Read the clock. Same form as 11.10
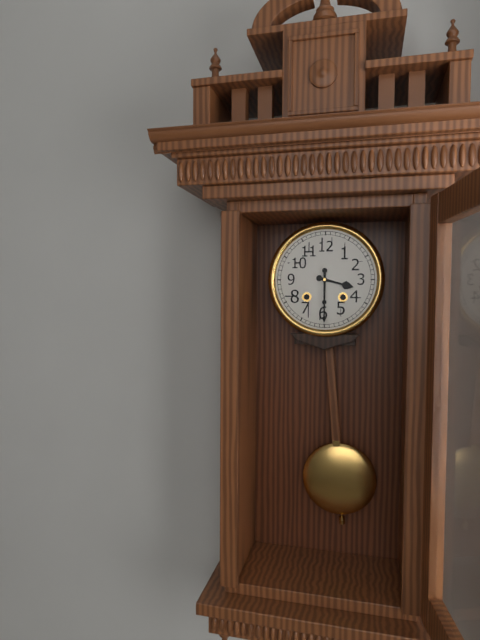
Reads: 3.30
